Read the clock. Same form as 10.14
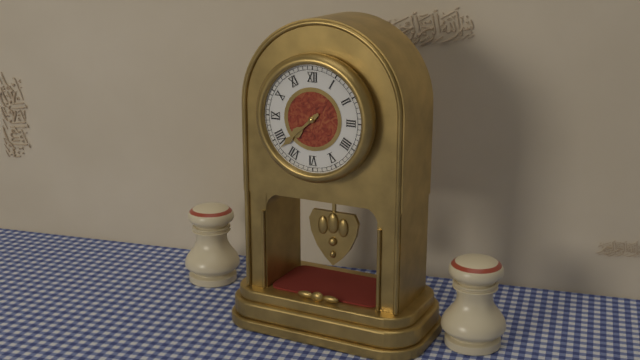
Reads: 7.38
